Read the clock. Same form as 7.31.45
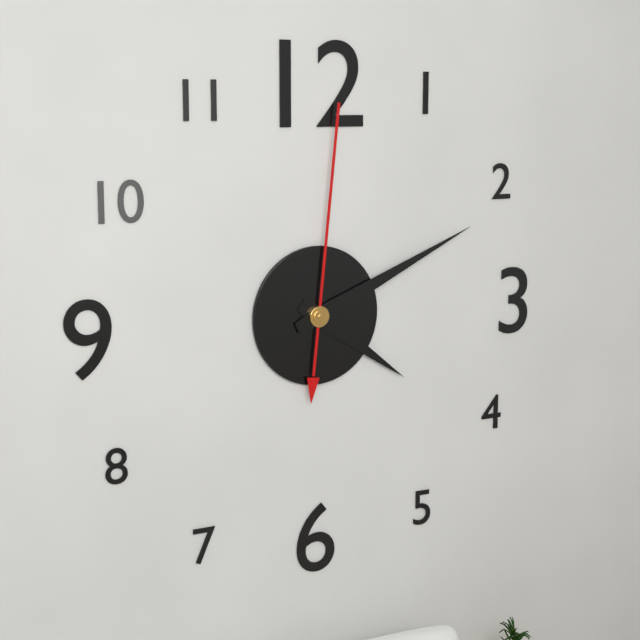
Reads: 4.11.01
